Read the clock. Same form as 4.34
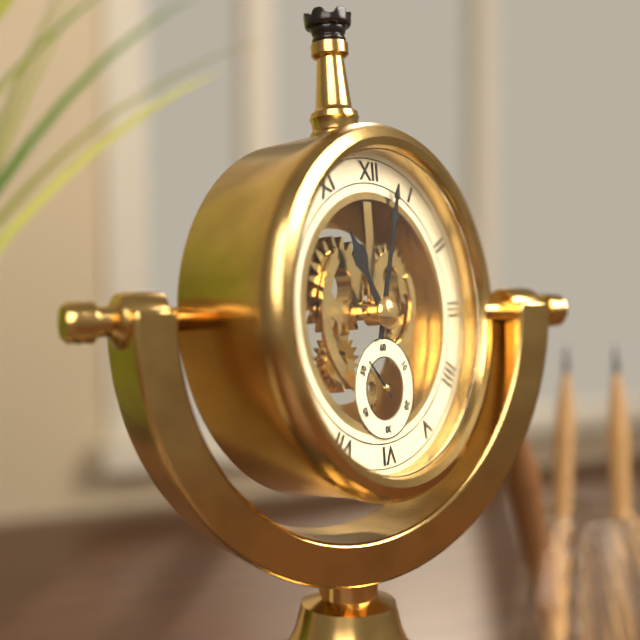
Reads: 11.03
